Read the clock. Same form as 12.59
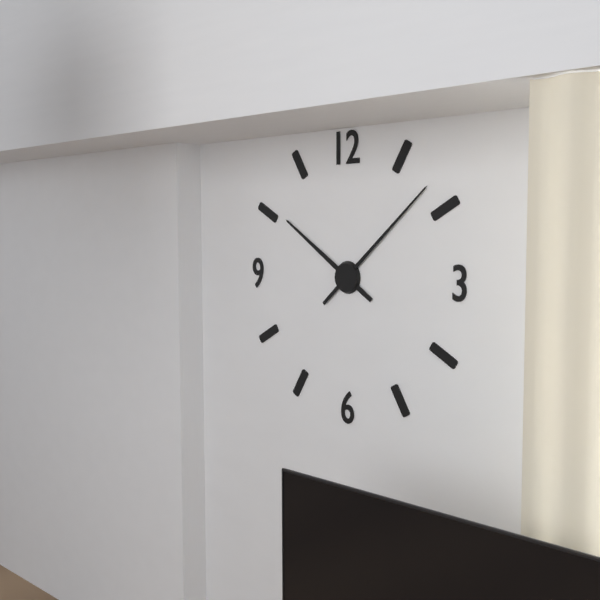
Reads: 10.08
